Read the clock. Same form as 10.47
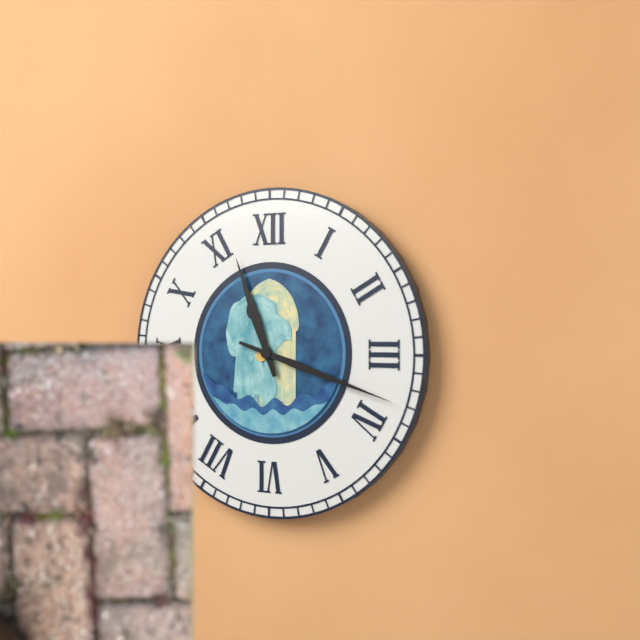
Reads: 11.18
